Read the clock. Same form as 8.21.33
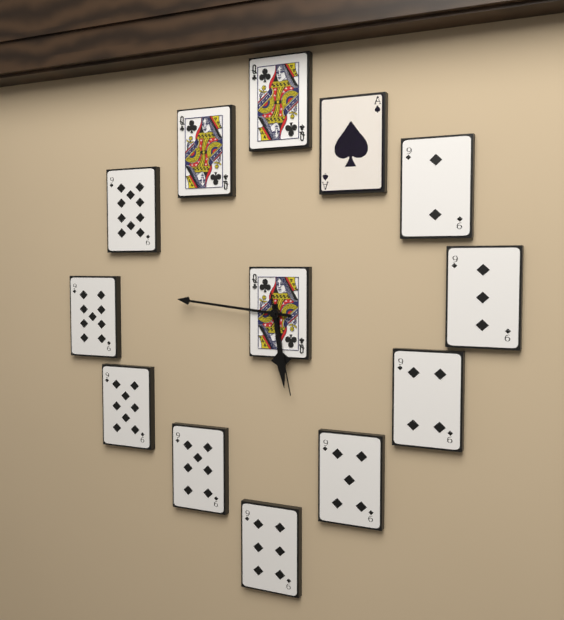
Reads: 5.46.28
